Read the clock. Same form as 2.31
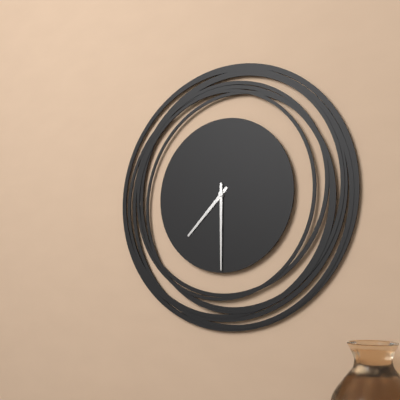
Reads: 7.30
